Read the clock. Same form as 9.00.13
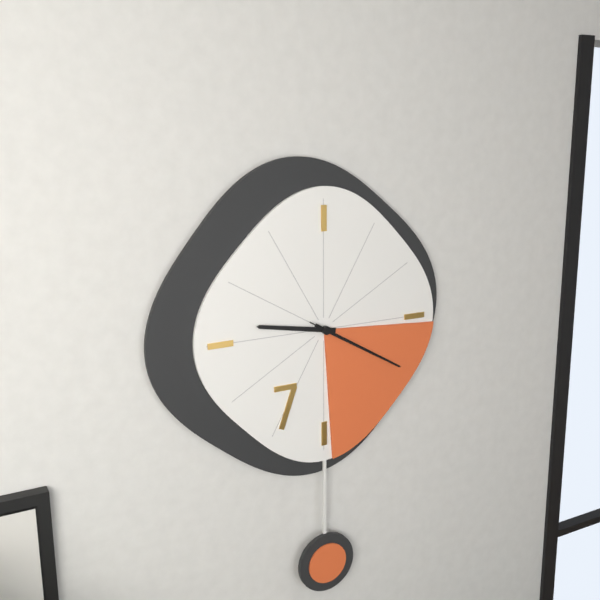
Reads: 9.20.20
